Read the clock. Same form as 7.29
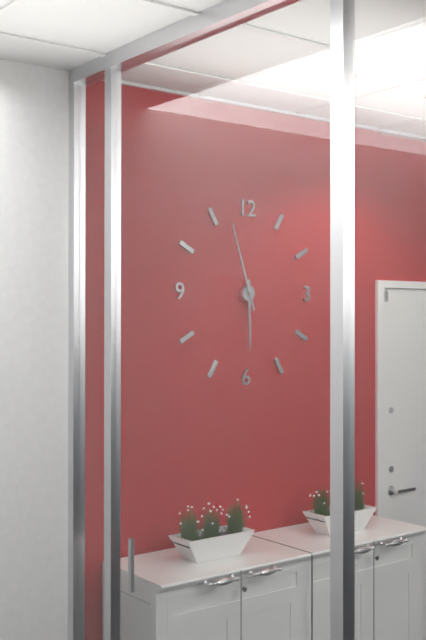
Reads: 5.57
